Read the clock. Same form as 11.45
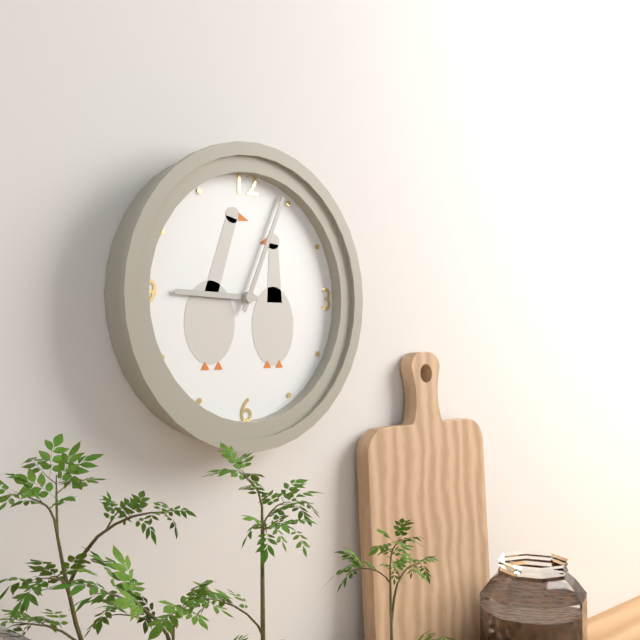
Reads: 9.04
